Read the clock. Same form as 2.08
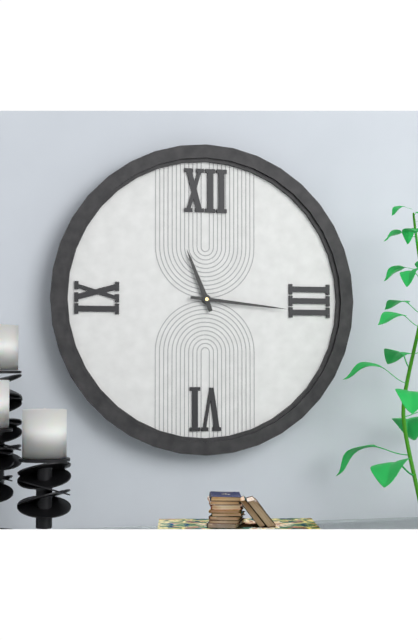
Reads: 11.16
